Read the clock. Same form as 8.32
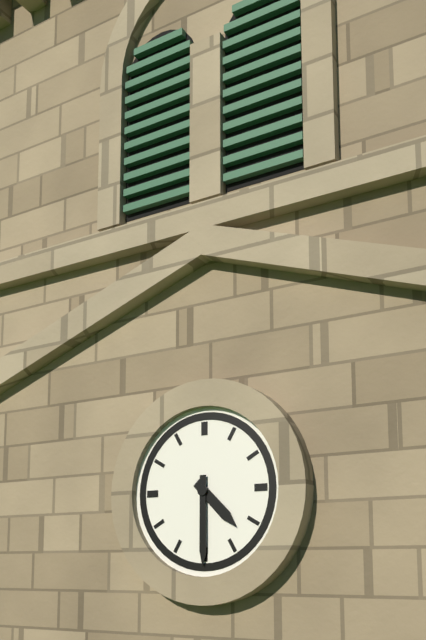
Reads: 4.30
